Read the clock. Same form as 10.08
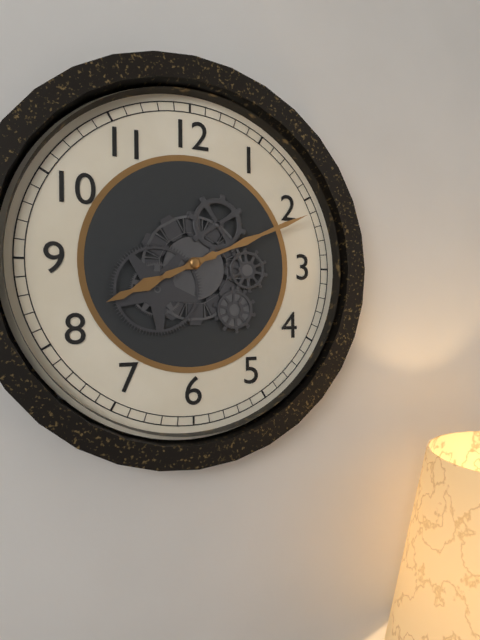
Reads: 8.11
